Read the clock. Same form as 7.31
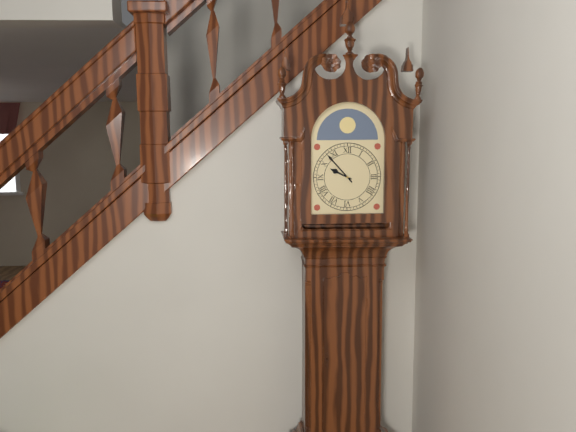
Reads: 9.53
